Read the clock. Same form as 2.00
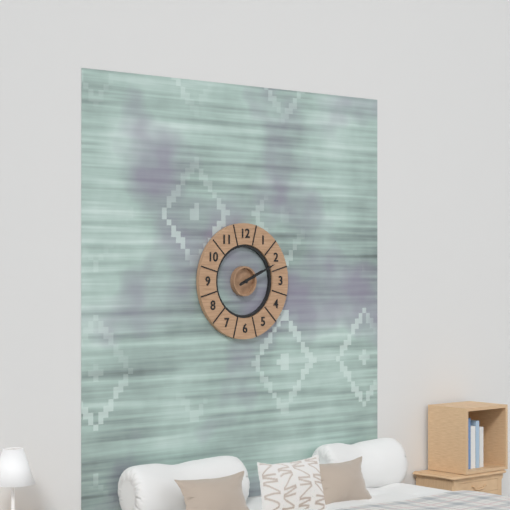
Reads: 2.11
